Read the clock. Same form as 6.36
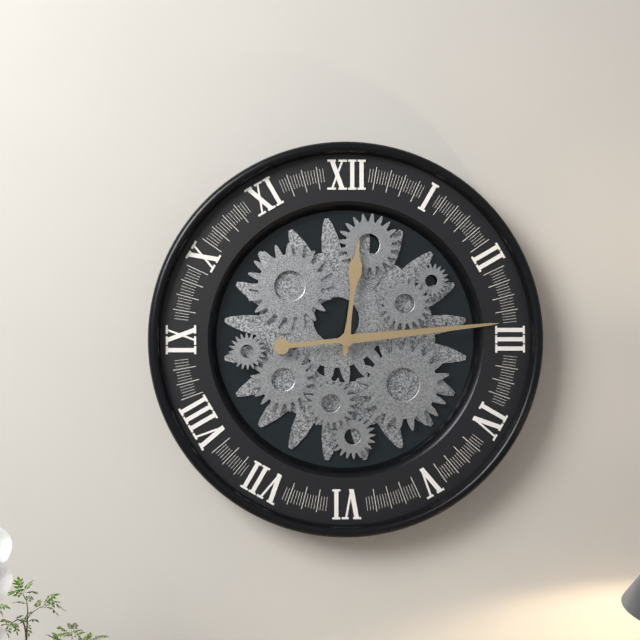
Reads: 12.14
